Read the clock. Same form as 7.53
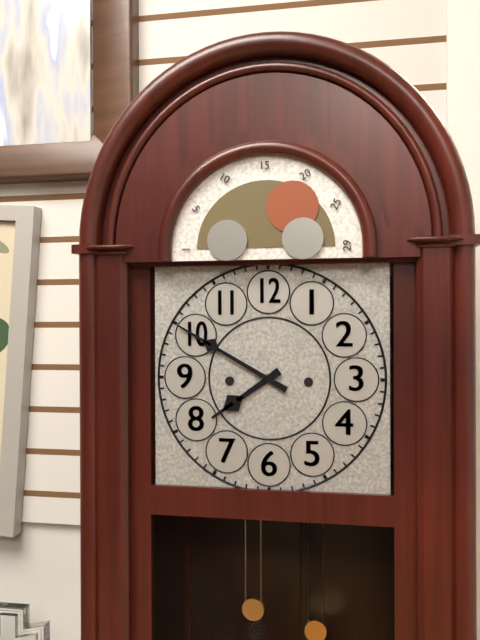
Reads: 7.50
